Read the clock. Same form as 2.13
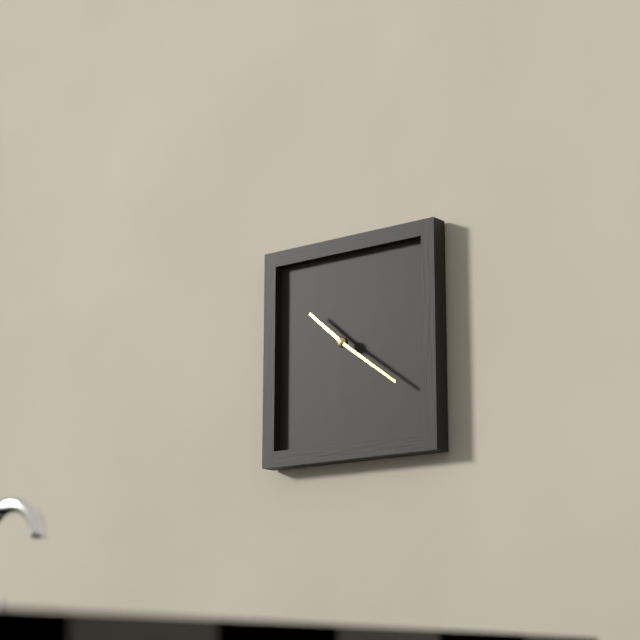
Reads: 10.21
